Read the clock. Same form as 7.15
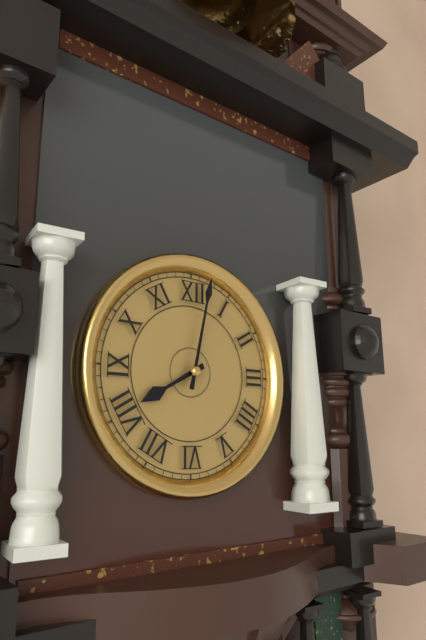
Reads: 8.02
